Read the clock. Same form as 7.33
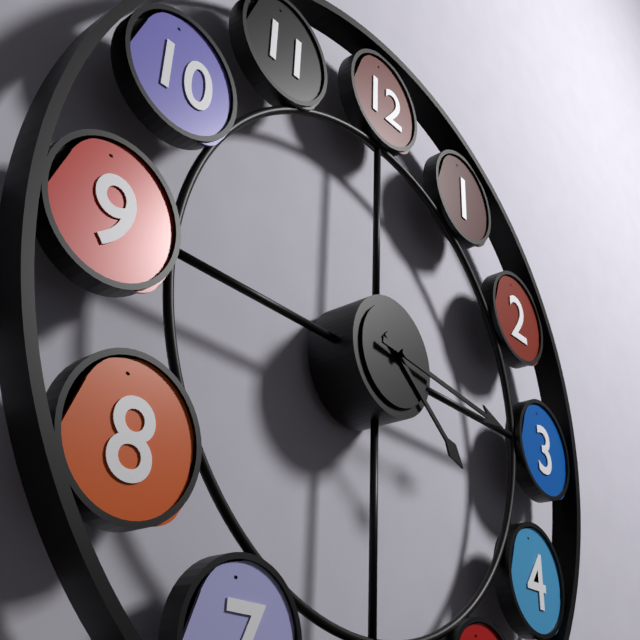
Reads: 4.16
